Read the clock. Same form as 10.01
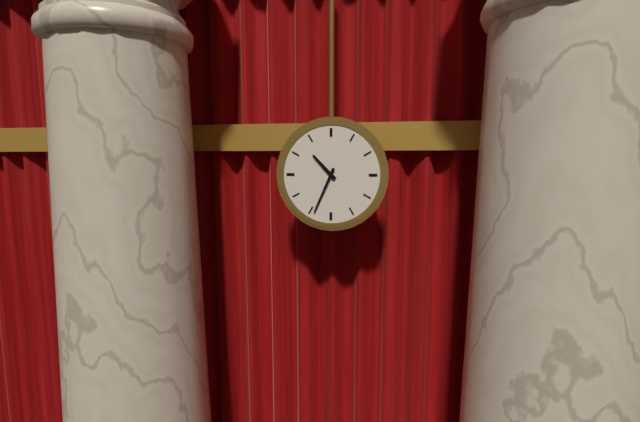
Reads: 10.34
